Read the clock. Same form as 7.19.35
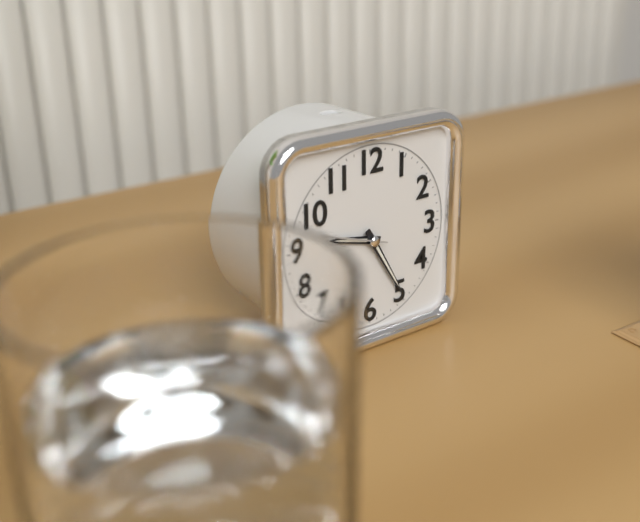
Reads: 9.25.48
